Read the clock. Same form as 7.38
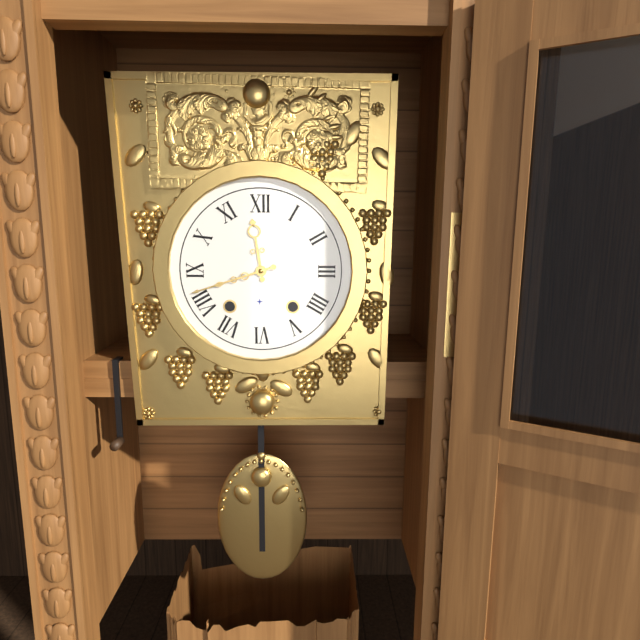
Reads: 11.42
